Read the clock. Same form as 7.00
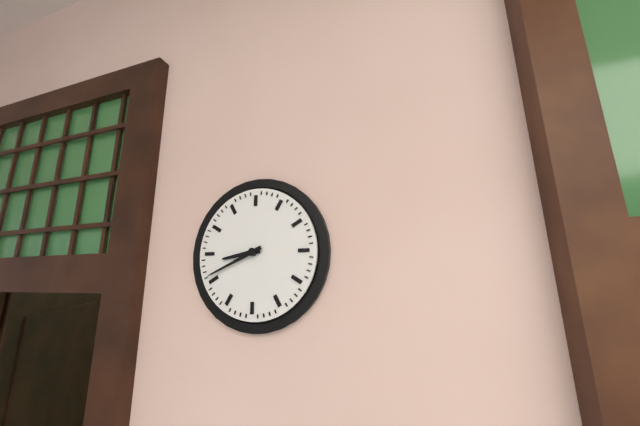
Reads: 8.41
